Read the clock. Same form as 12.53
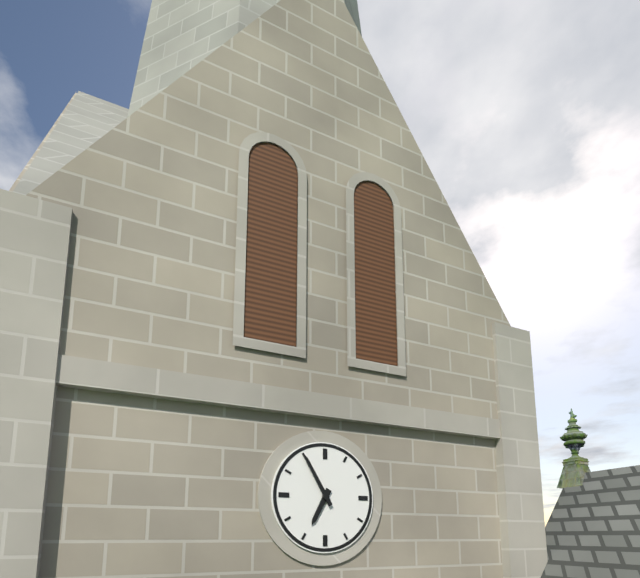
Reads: 6.55
